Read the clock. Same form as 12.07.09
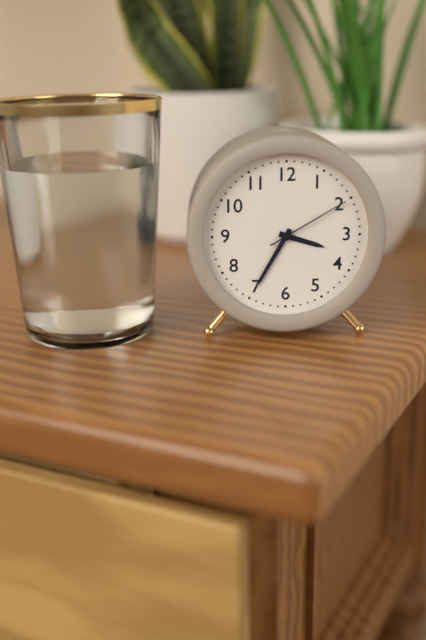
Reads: 3.35.10
